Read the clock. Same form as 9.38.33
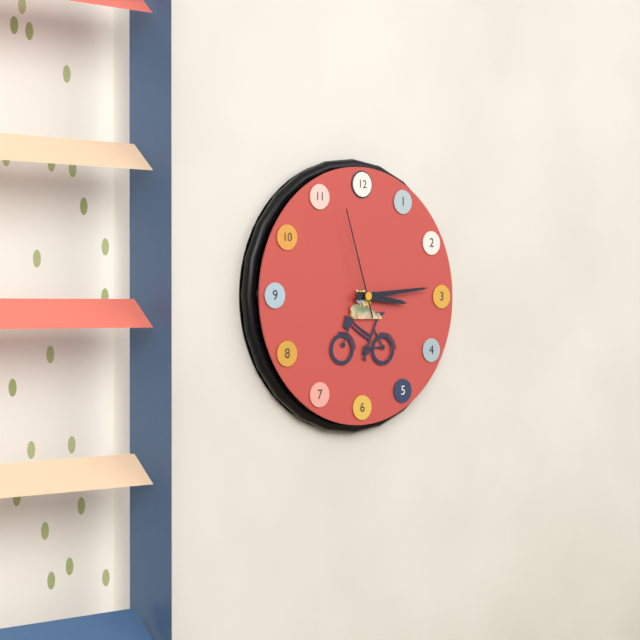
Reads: 3.14.57
